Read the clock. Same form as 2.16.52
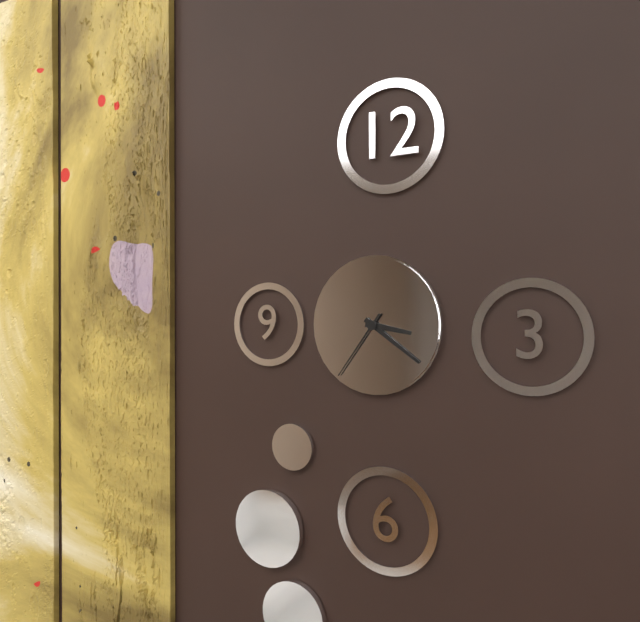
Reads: 3.21.36
